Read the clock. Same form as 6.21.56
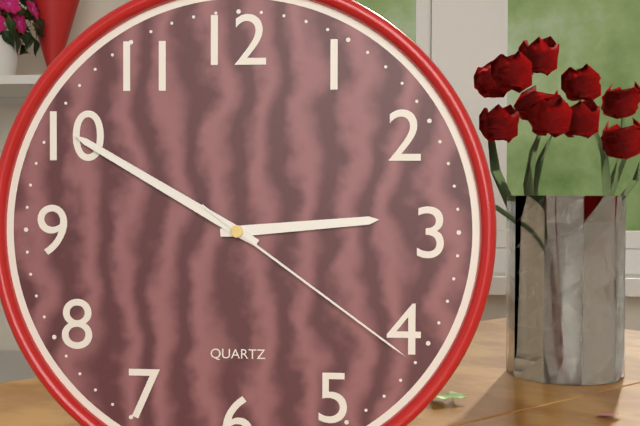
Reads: 2.50.21
